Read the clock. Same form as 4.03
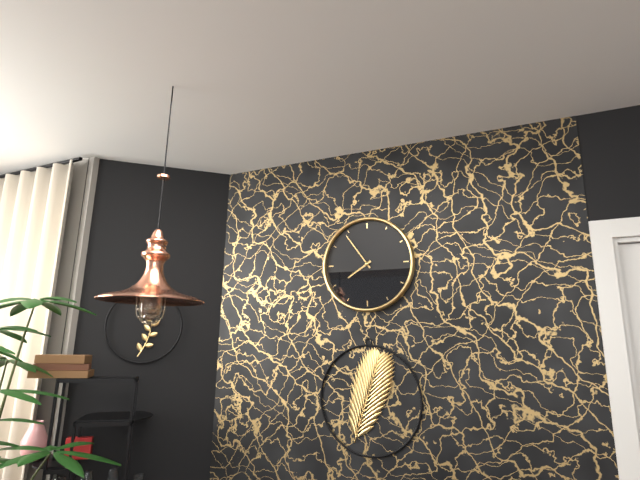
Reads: 7.54
